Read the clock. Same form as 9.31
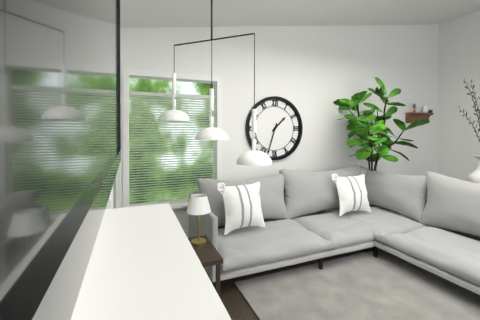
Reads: 1.33
